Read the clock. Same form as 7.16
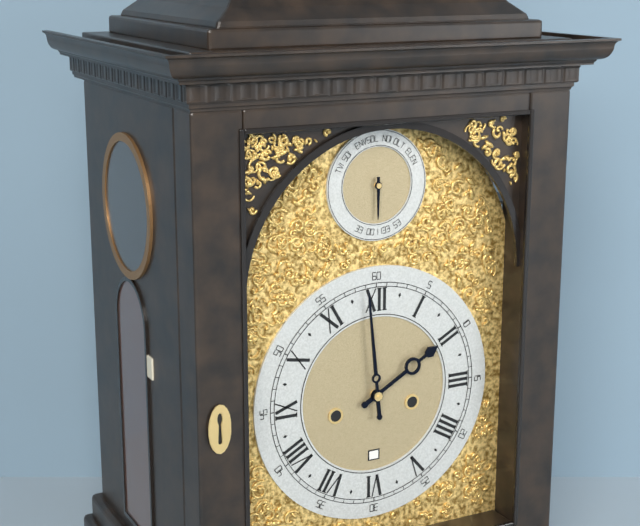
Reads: 1.59
